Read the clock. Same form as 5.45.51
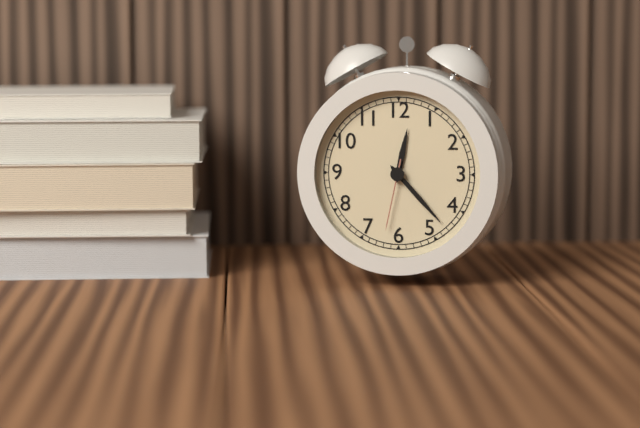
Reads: 12.23.32
